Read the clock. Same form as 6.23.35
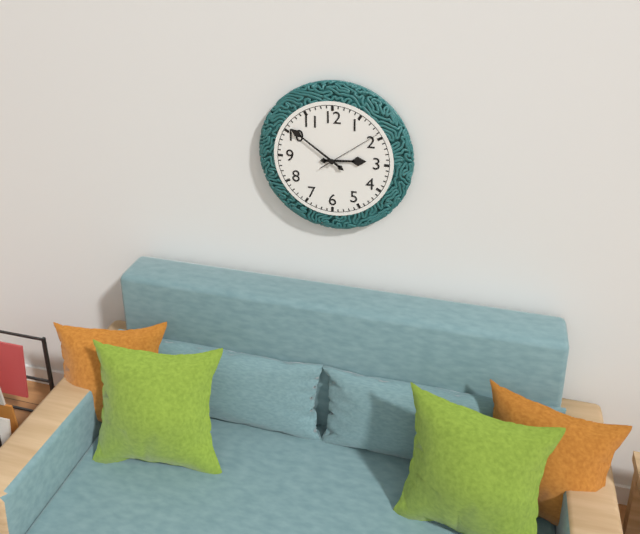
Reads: 2.51.09
